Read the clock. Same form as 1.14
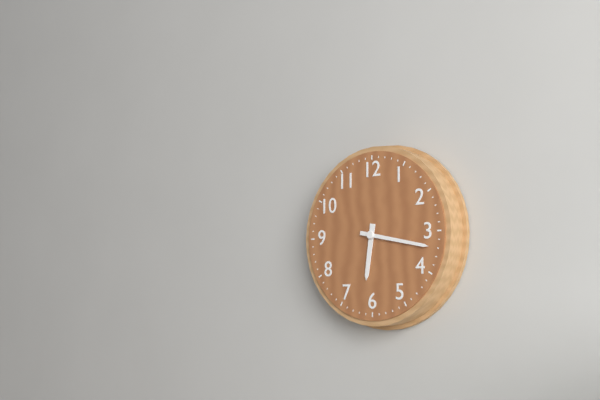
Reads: 6.17
